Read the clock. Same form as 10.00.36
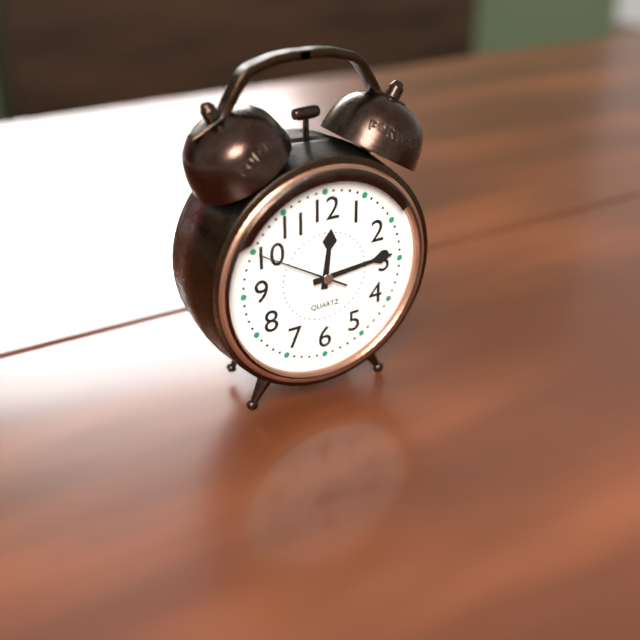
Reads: 12.14.50
